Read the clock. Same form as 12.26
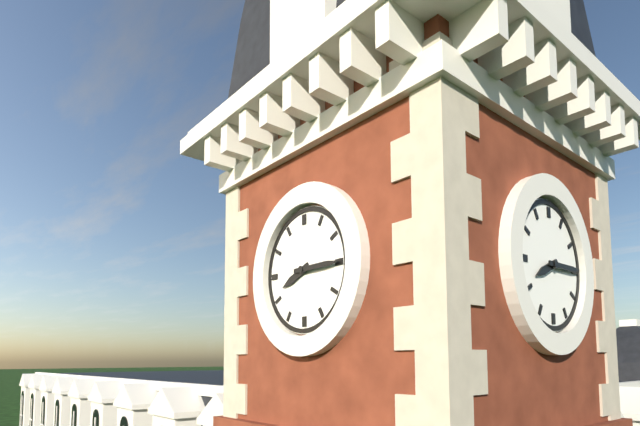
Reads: 8.15
